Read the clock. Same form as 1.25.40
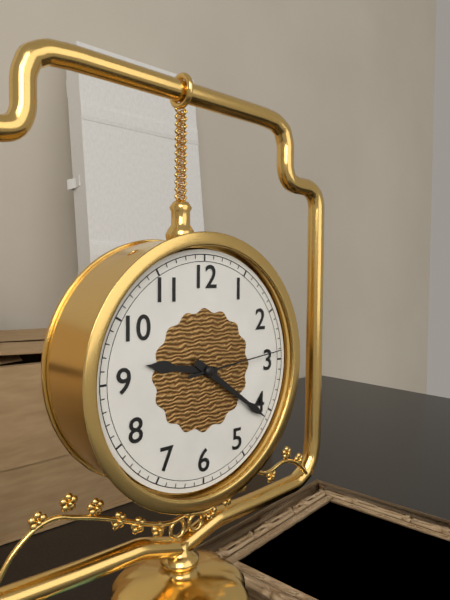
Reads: 9.21.14
